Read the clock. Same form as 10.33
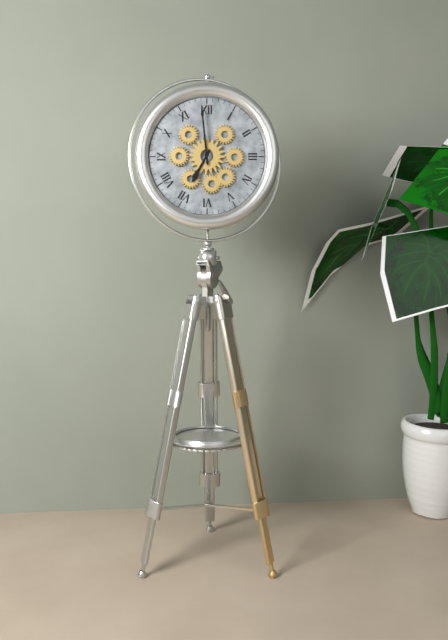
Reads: 6.59
